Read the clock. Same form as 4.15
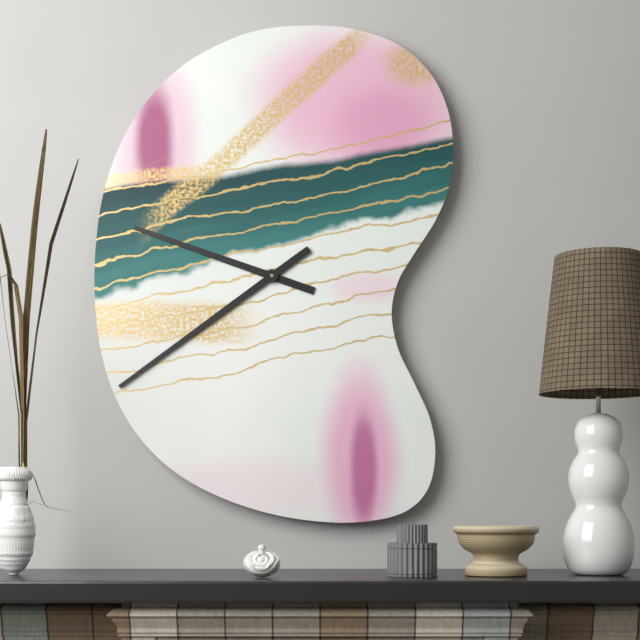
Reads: 9.39
